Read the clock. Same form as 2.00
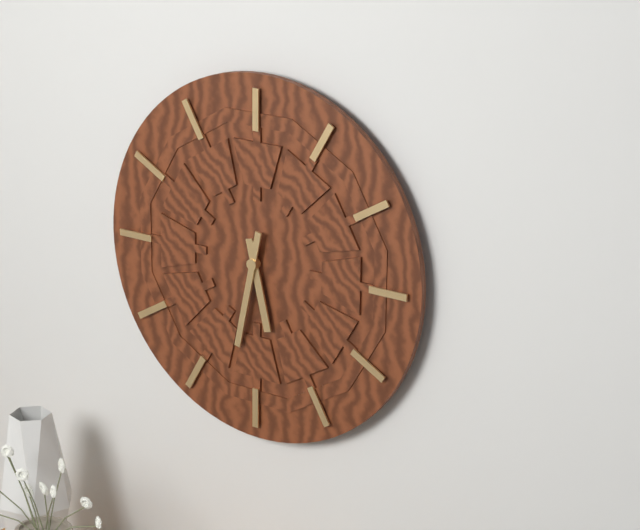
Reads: 5.32
